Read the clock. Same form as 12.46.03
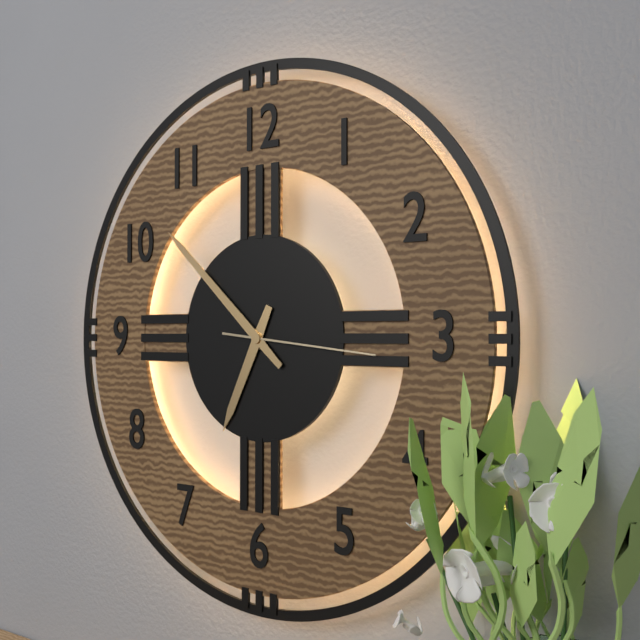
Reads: 6.52.16
